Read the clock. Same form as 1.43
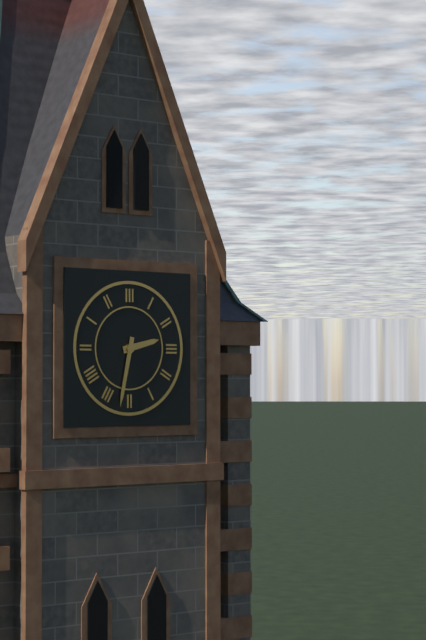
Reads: 2.32
